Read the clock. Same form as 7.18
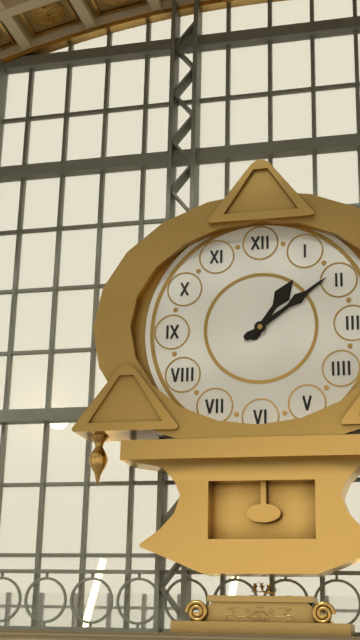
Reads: 1.09
